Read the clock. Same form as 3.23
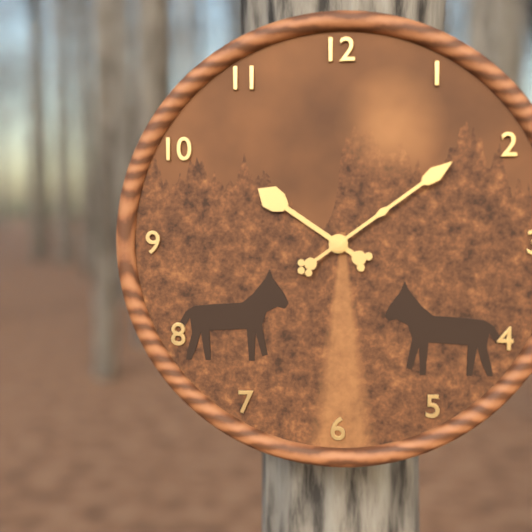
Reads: 10.09
